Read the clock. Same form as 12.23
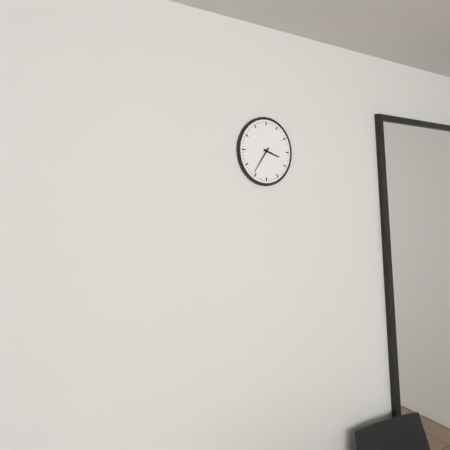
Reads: 3.36
